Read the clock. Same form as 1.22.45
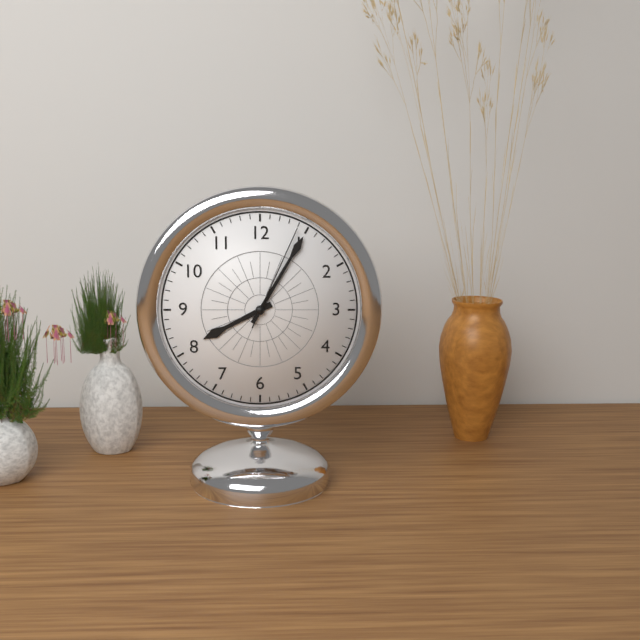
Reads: 8.05.04
